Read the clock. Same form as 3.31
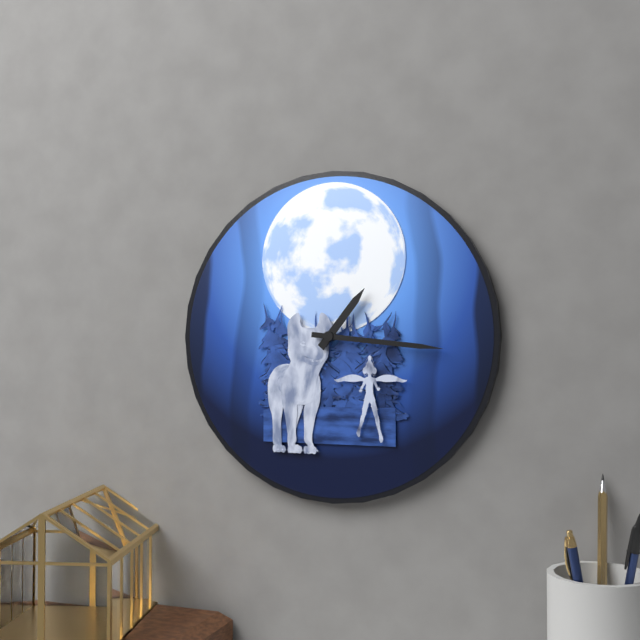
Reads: 1.16
